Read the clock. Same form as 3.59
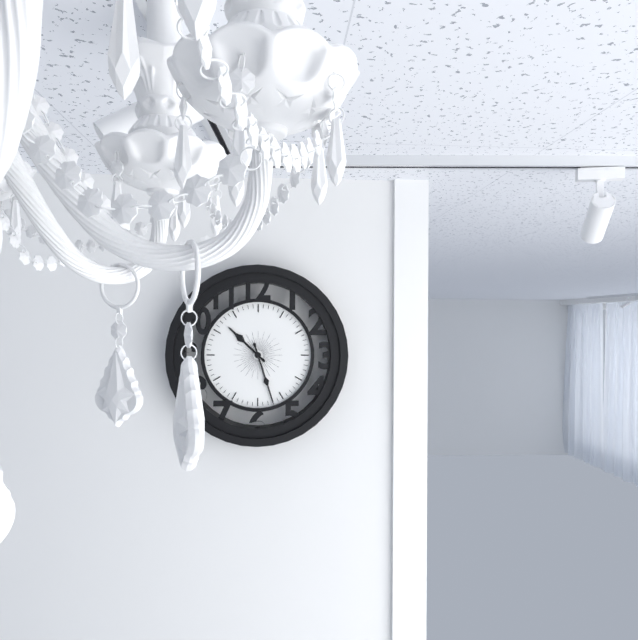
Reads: 10.27
